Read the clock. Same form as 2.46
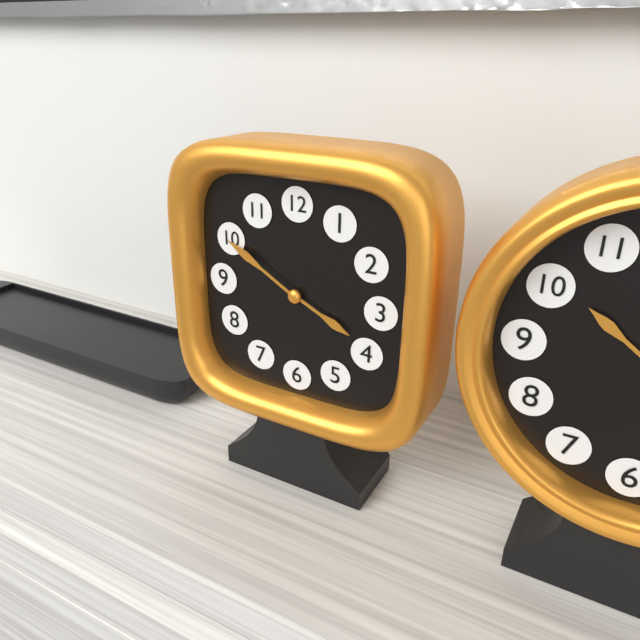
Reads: 3.50
